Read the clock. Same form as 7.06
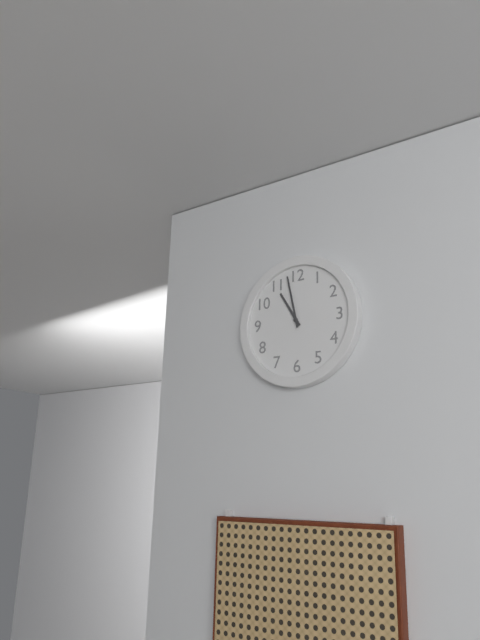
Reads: 10.58
